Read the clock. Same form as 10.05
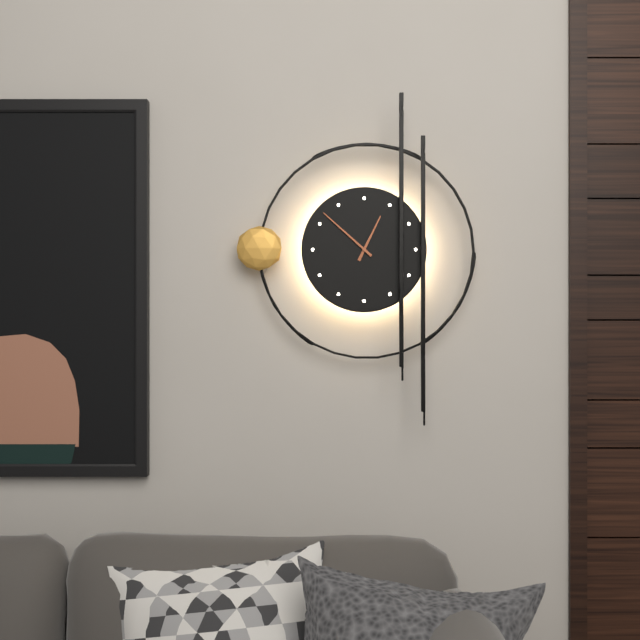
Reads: 12.52
